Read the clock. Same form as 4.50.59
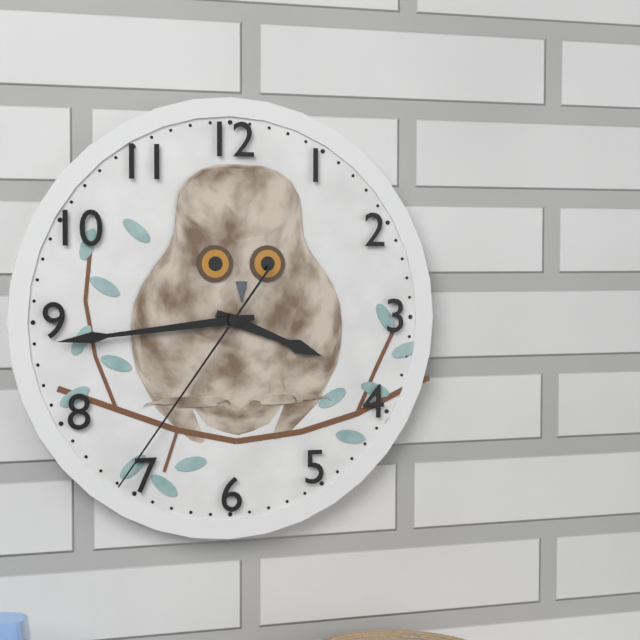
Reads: 3.44.36
